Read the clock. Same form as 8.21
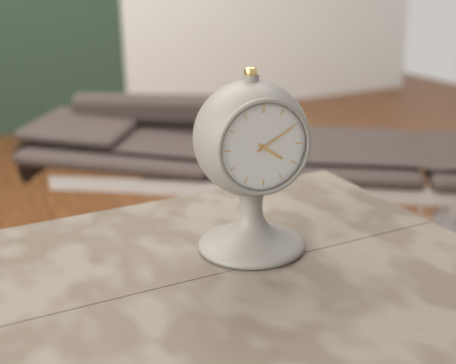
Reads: 4.10
